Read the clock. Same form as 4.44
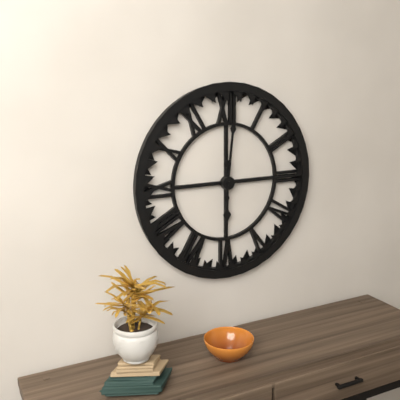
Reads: 6.01
